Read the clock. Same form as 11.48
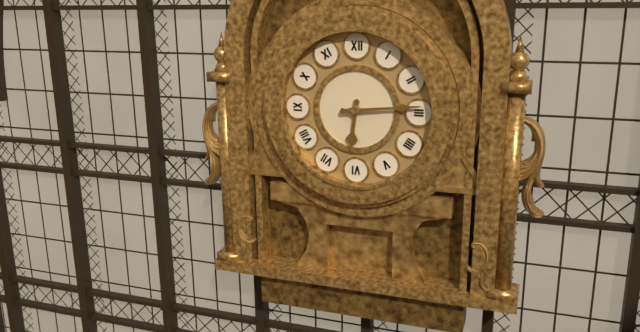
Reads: 6.14
